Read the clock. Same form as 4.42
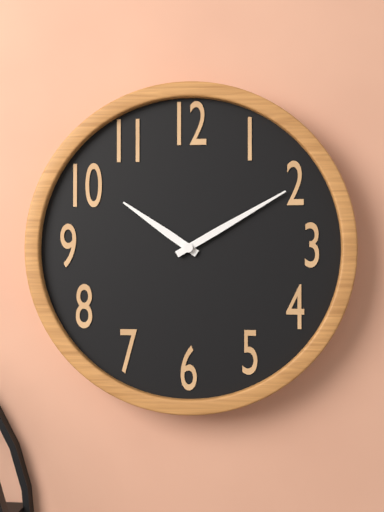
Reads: 10.10
